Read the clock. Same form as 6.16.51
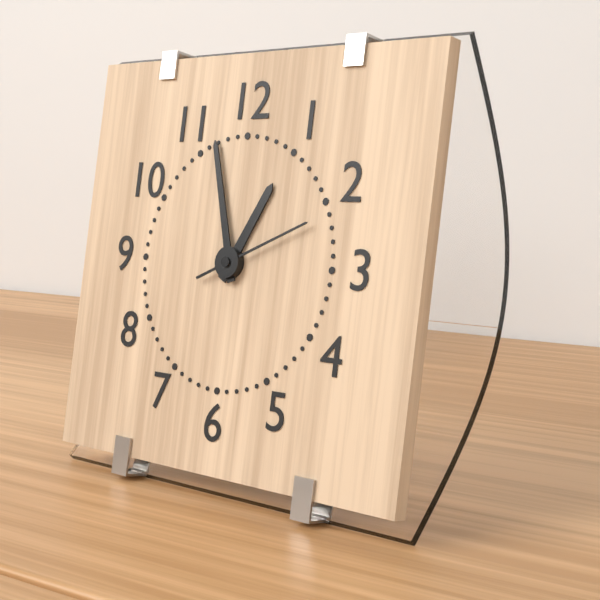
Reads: 12.57.11
